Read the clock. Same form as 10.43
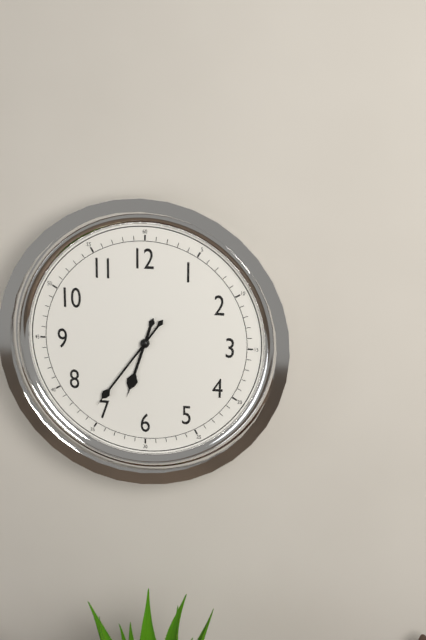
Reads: 6.36
